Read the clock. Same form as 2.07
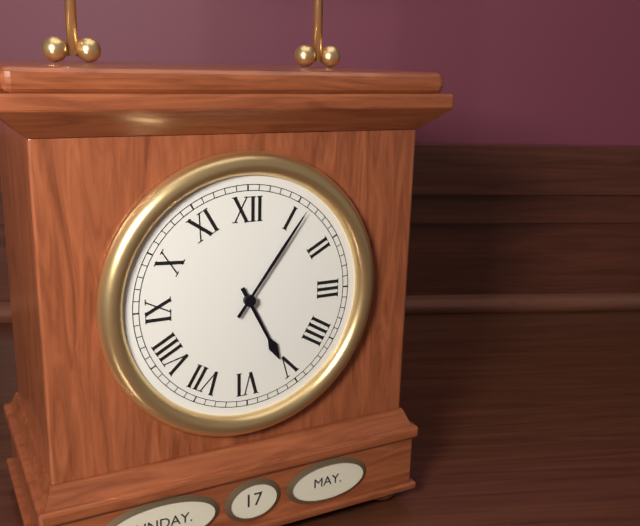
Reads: 5.06
